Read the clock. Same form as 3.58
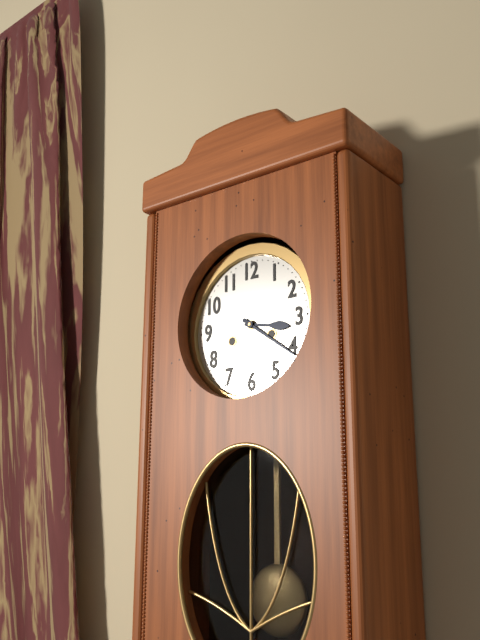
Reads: 3.21
